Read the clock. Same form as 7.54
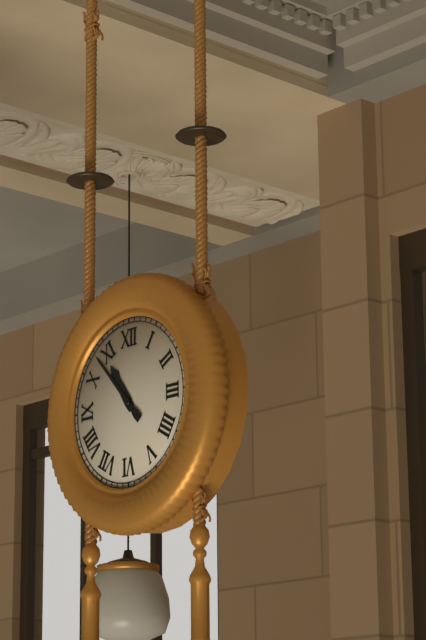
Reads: 10.53
